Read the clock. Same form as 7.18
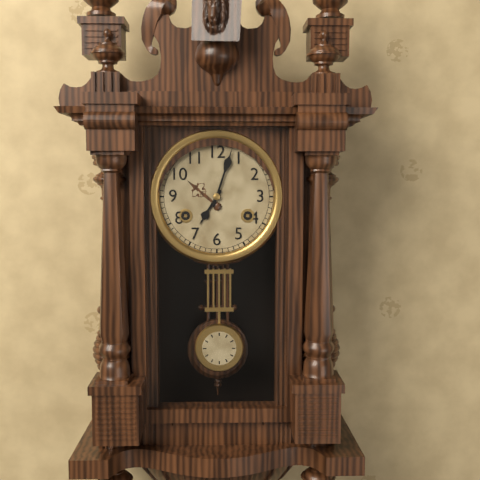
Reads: 7.03
